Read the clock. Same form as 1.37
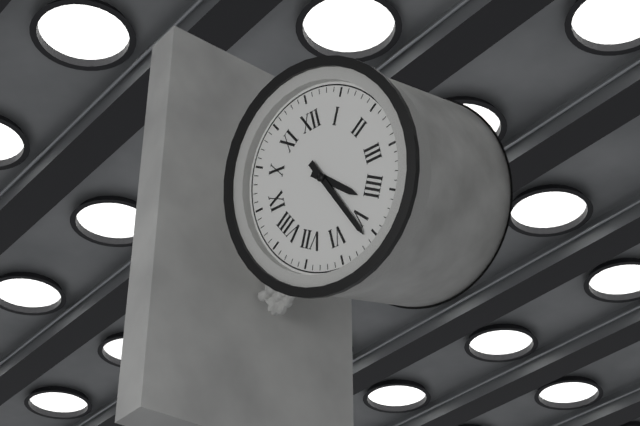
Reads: 4.26
